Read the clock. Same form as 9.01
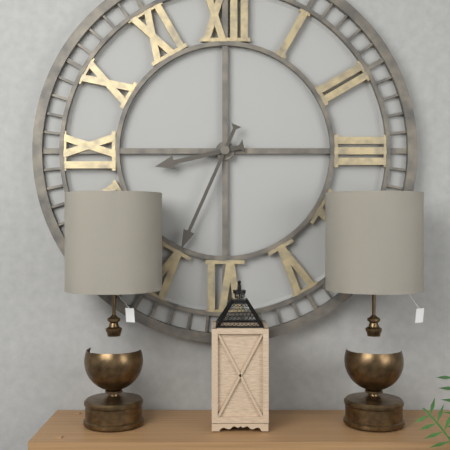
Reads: 8.34
